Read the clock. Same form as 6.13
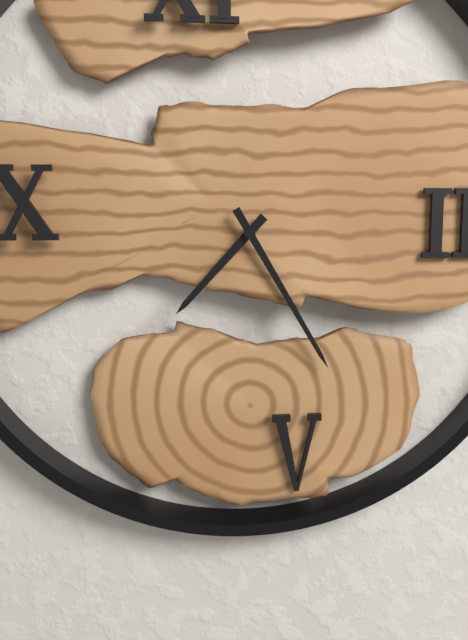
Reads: 7.25
